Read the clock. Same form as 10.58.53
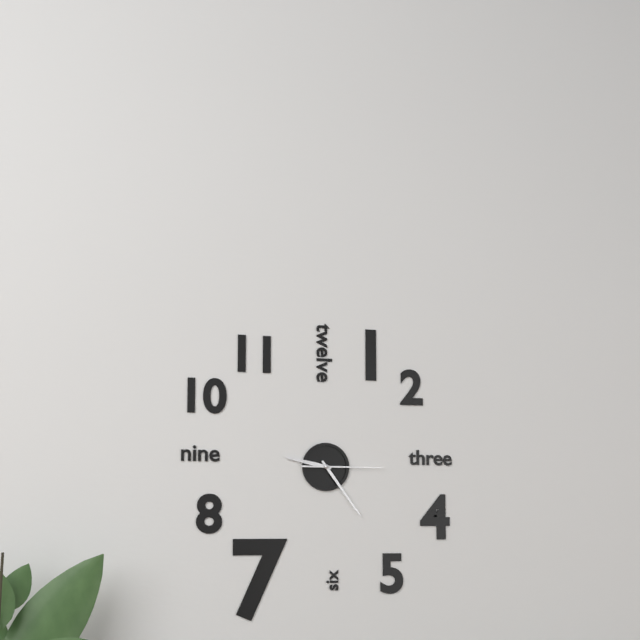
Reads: 9.24.15
